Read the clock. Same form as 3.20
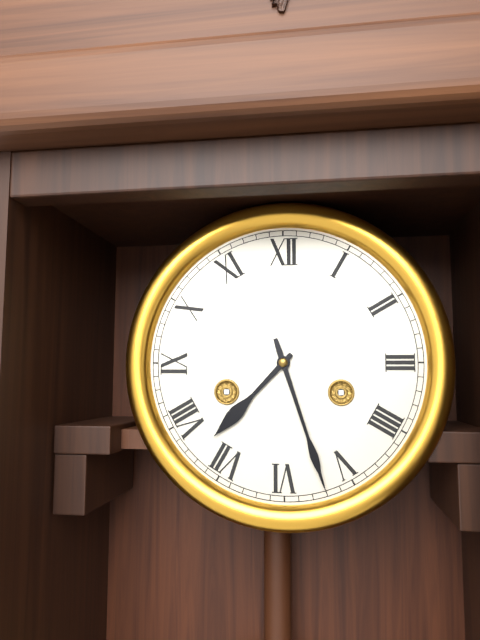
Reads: 7.27
